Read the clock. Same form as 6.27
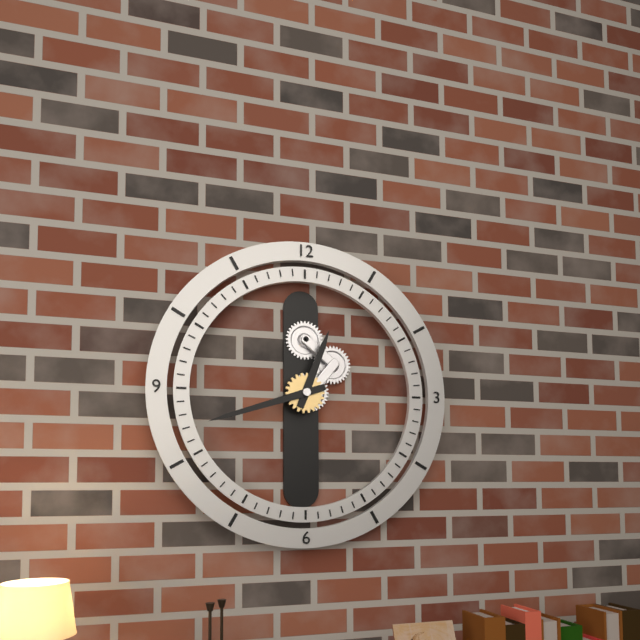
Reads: 12.42
